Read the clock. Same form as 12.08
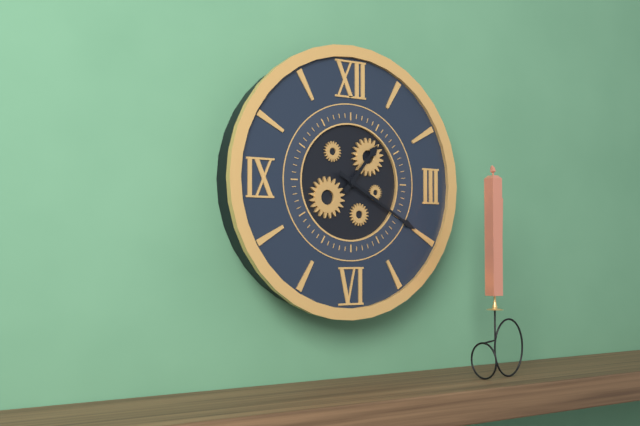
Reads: 1.20
